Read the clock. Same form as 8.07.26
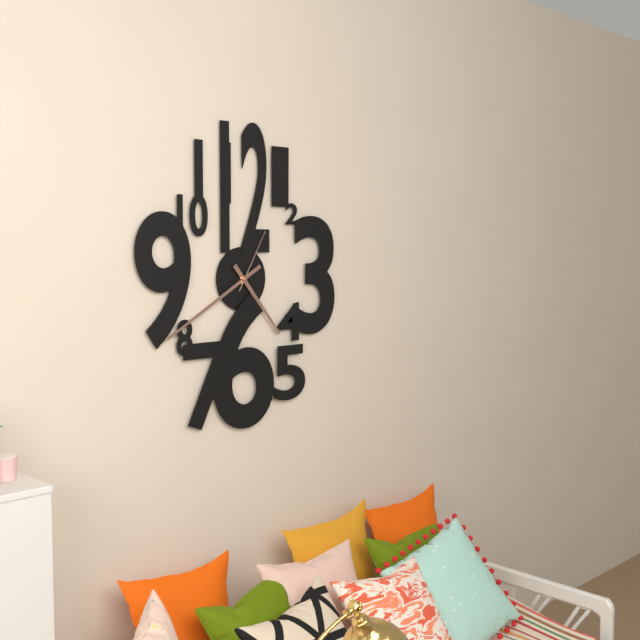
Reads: 4.40.05
